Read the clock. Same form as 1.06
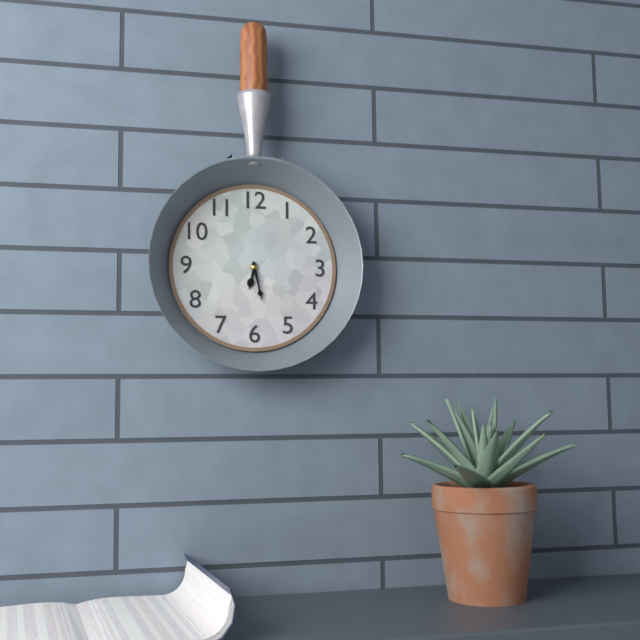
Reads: 6.28
